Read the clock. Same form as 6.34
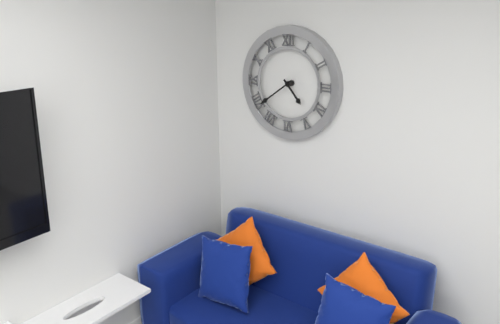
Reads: 4.39
